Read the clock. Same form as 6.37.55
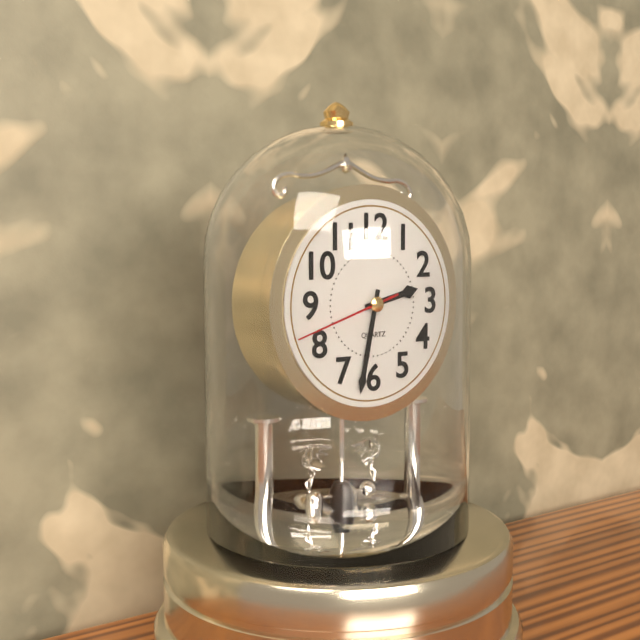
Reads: 2.32.42
